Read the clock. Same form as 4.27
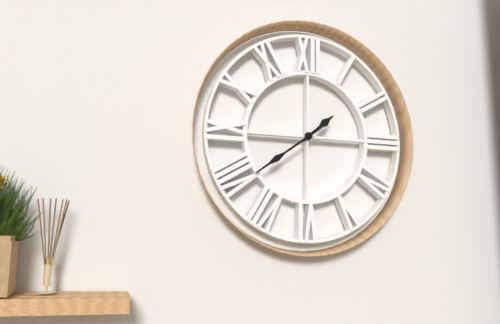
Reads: 1.39
